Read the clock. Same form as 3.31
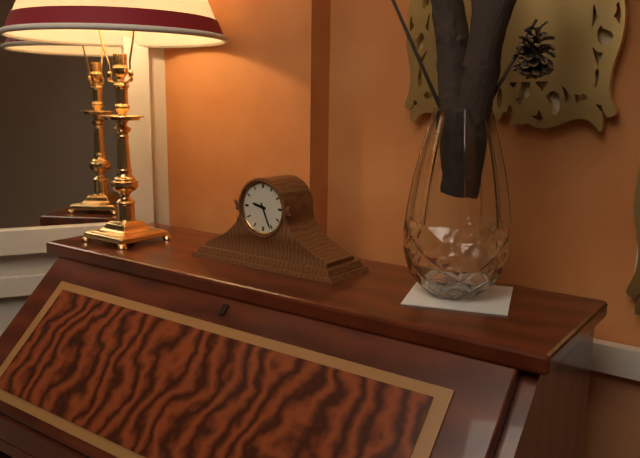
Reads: 9.26
